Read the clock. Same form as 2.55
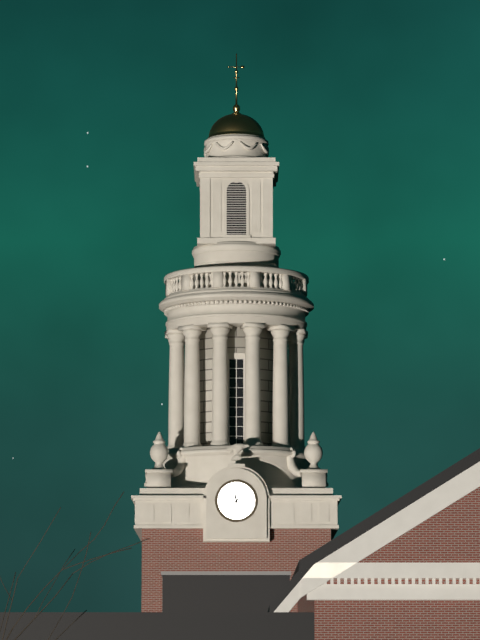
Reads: 11.37
